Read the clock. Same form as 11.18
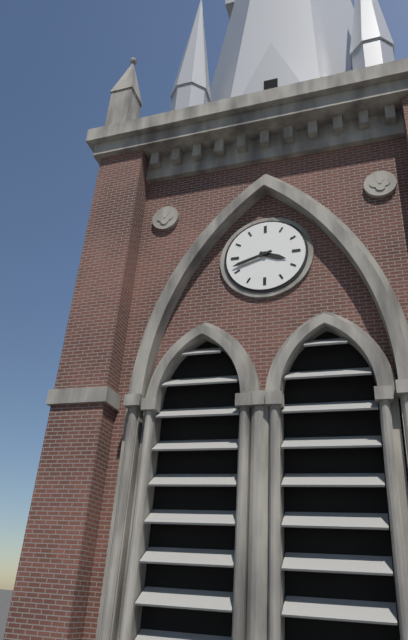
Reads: 3.42
